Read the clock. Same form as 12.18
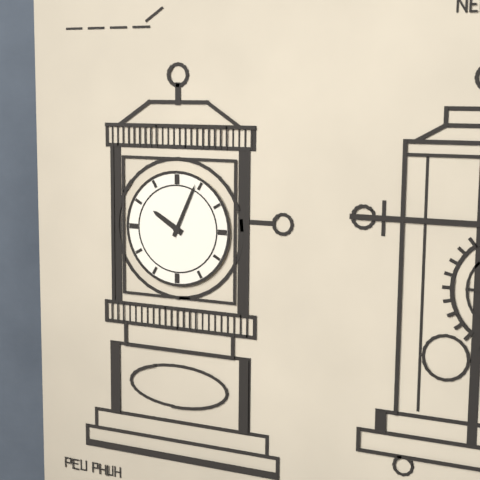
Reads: 10.04
